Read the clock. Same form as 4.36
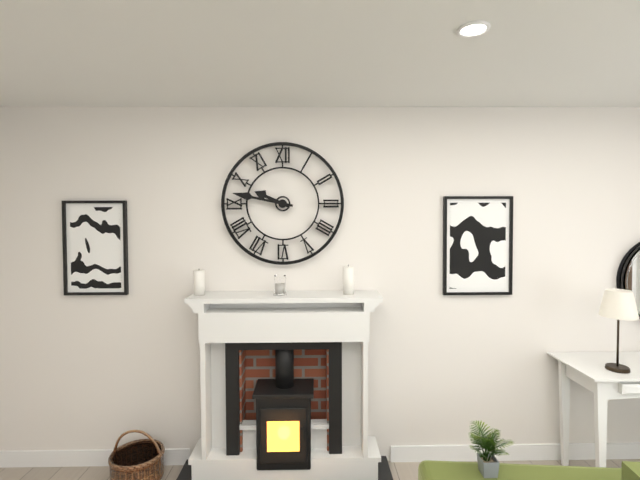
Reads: 9.47
